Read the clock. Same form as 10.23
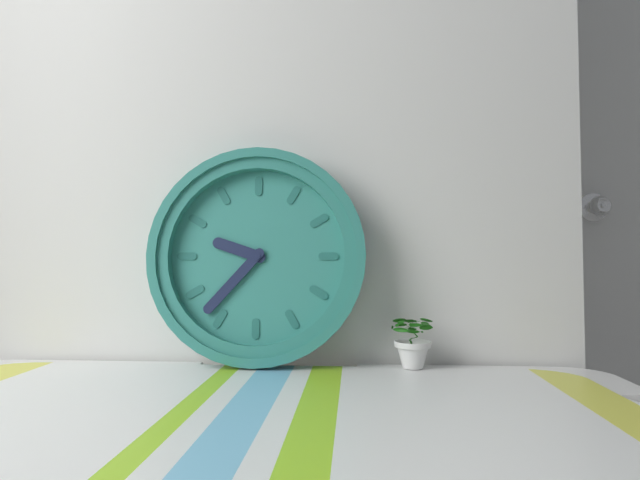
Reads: 9.37
